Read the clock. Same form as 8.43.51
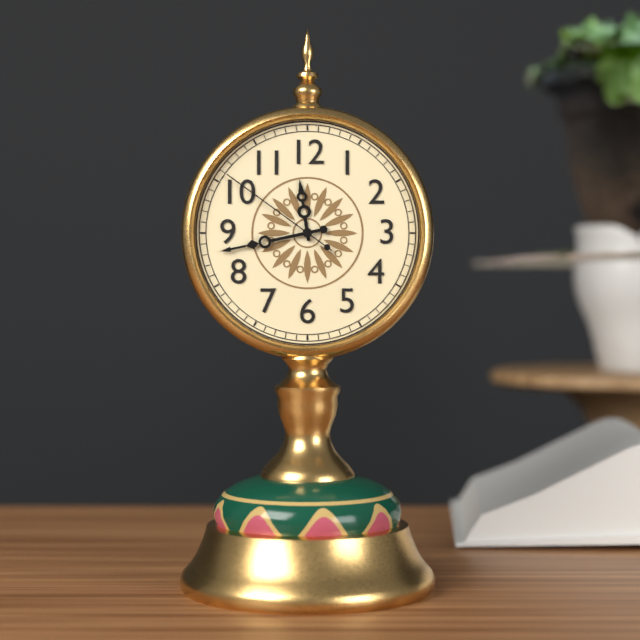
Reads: 11.43.51
